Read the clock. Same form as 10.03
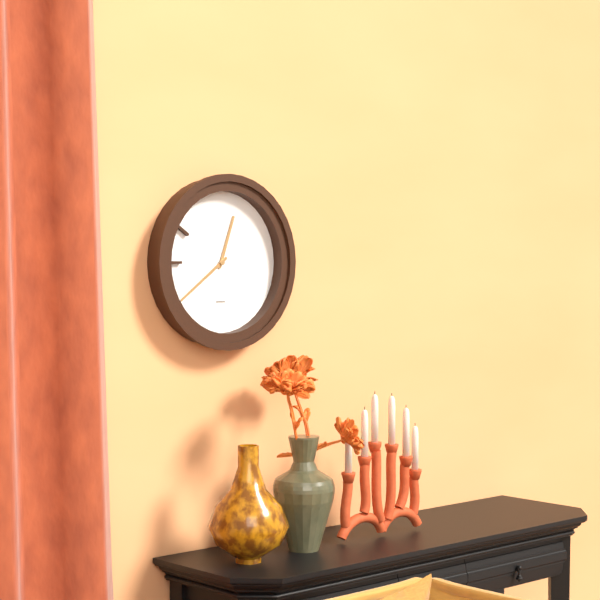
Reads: 12.39
